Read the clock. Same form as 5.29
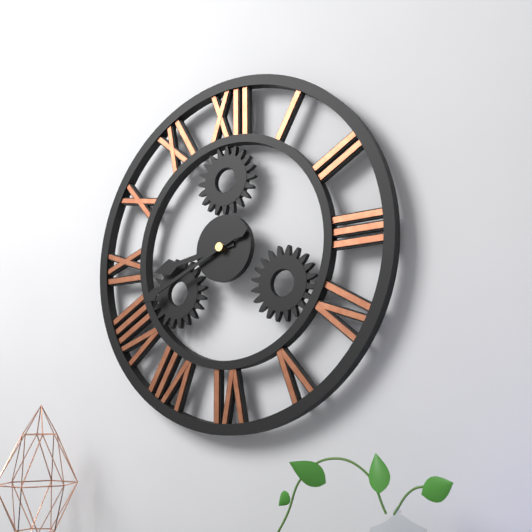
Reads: 8.41
